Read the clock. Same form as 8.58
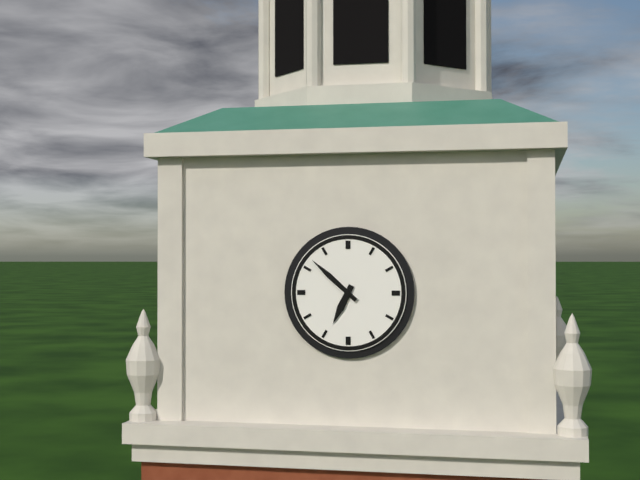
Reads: 6.52
